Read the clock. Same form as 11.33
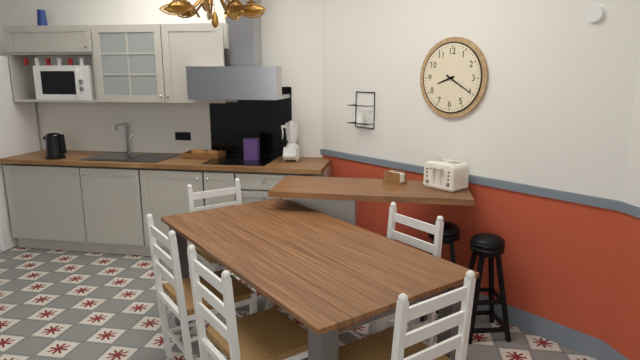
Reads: 8.20
